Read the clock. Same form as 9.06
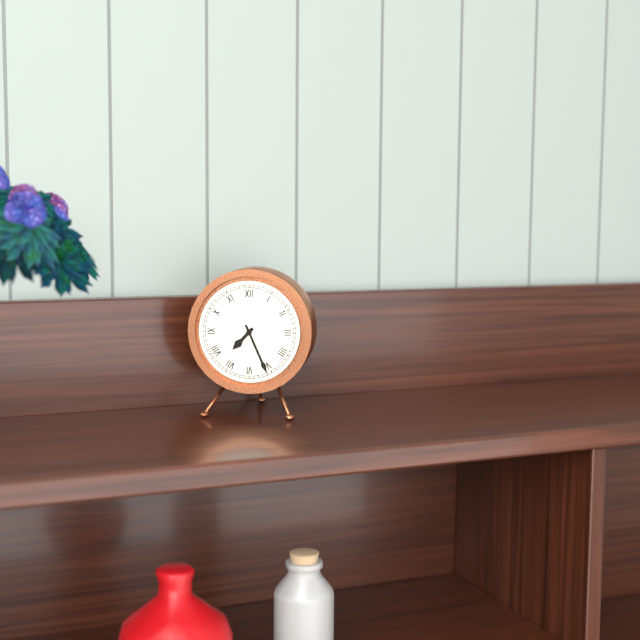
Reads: 7.26
